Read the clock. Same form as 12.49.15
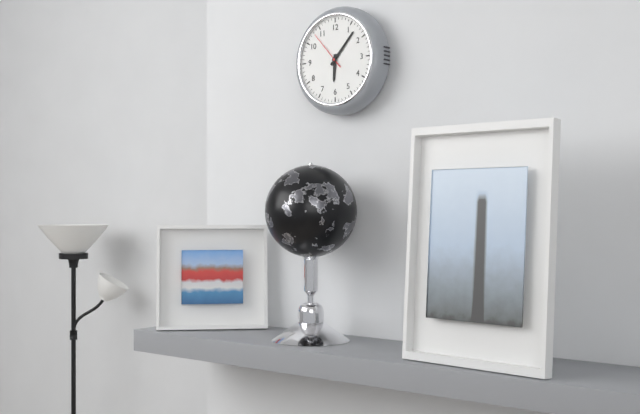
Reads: 6.07.53
